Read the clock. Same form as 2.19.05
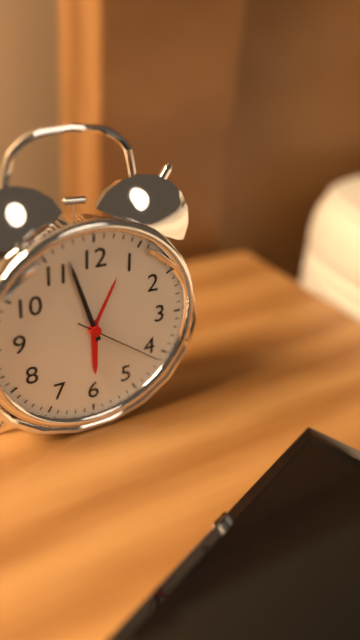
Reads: 5.57.21
